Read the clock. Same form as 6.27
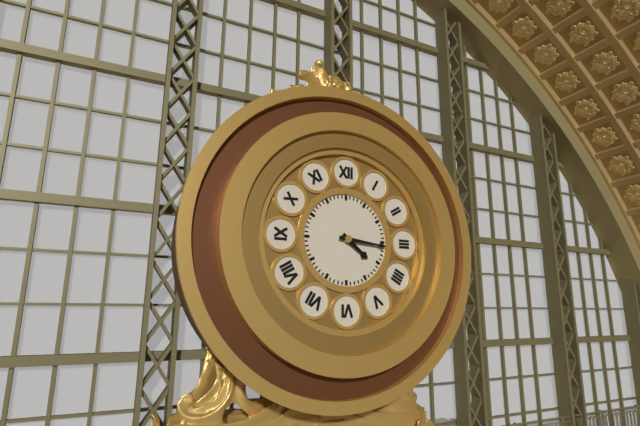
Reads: 4.16
